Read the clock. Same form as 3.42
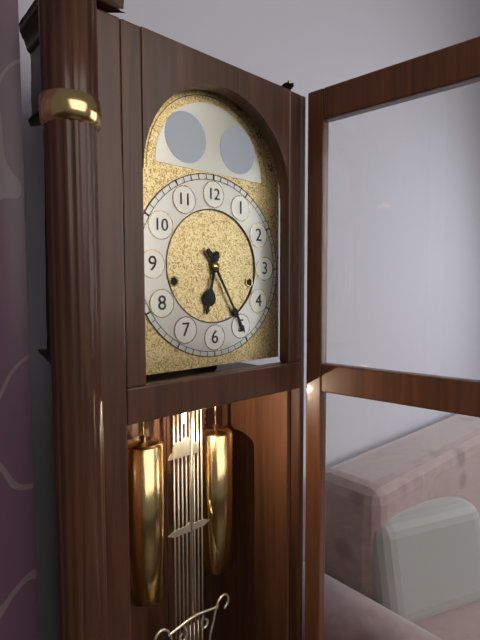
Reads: 6.25
